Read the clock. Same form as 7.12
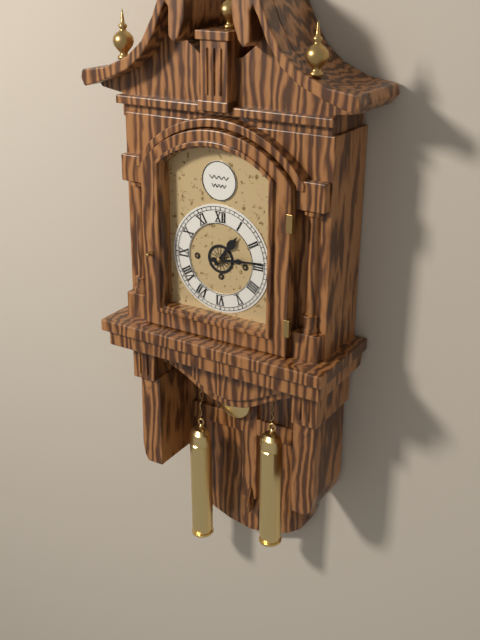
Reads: 1.14
